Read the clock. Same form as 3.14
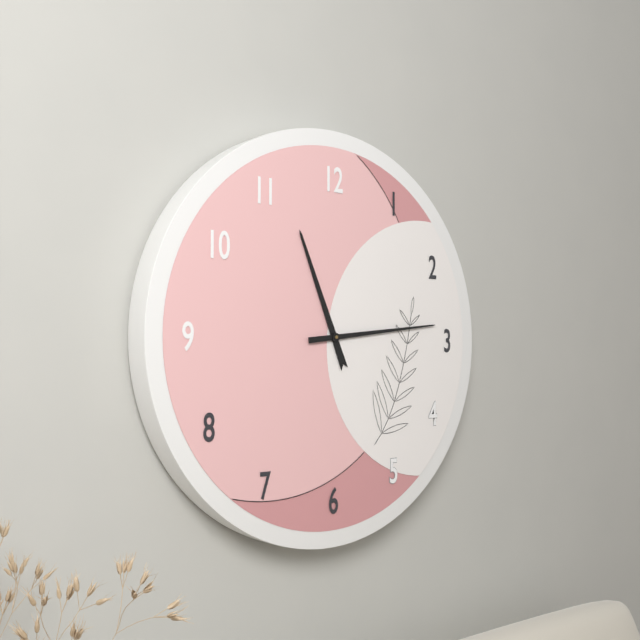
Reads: 11.14
